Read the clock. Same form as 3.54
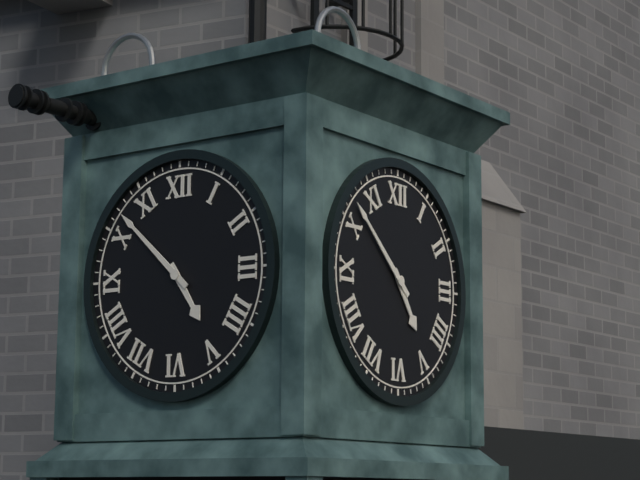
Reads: 4.52
